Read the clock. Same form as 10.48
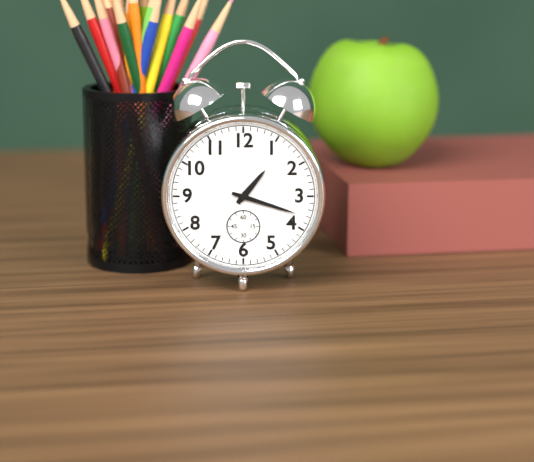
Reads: 1.18
